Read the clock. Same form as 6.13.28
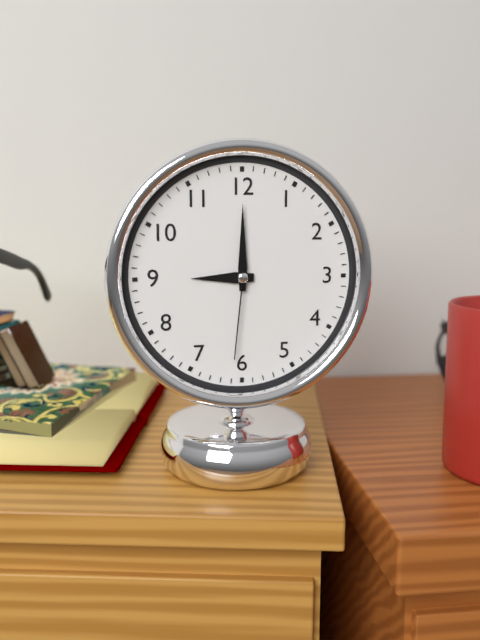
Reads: 9.00.31
